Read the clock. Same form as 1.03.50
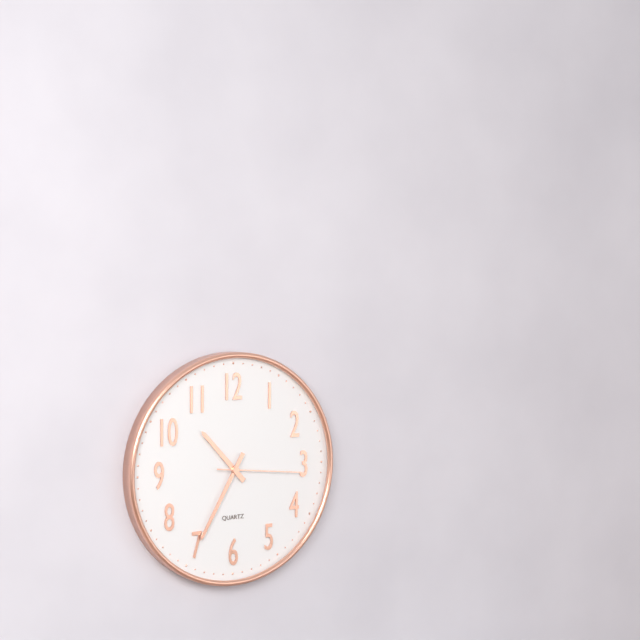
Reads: 10.35.16
